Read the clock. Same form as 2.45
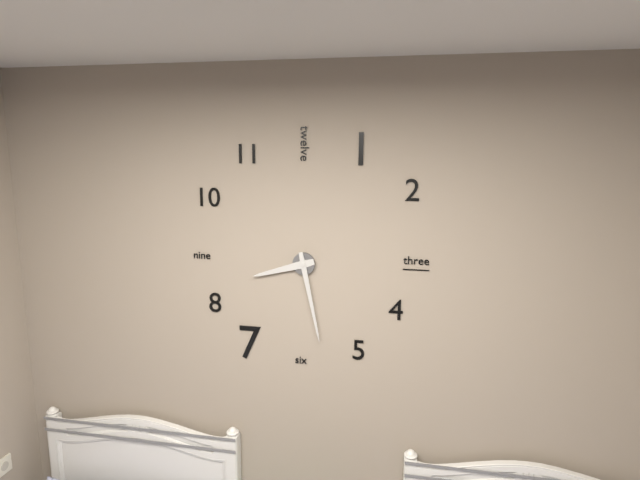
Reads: 8.28
